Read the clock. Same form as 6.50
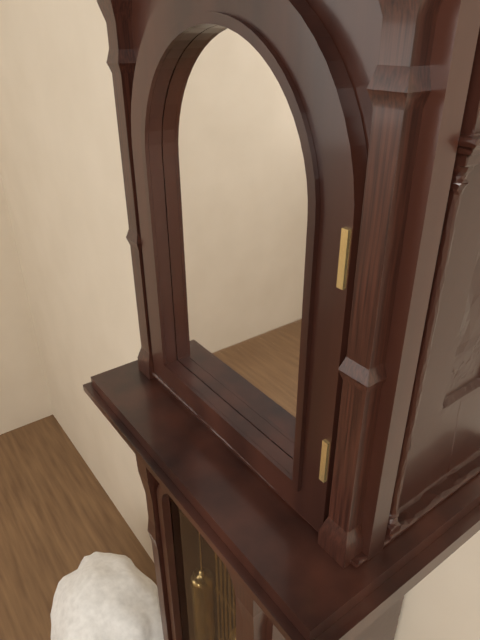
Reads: 10.42
